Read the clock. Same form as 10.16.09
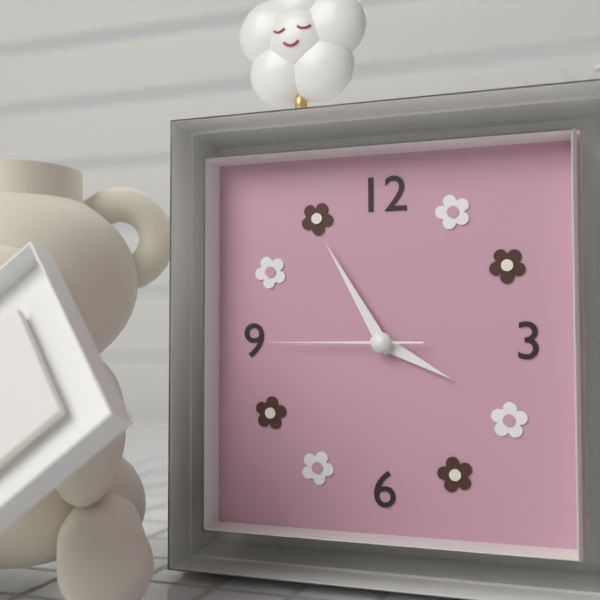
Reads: 3.55.45
